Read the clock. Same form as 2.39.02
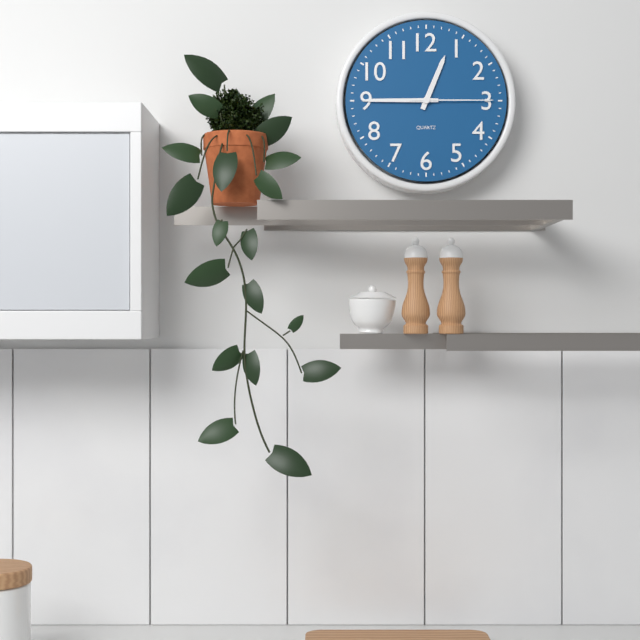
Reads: 12.45.15
